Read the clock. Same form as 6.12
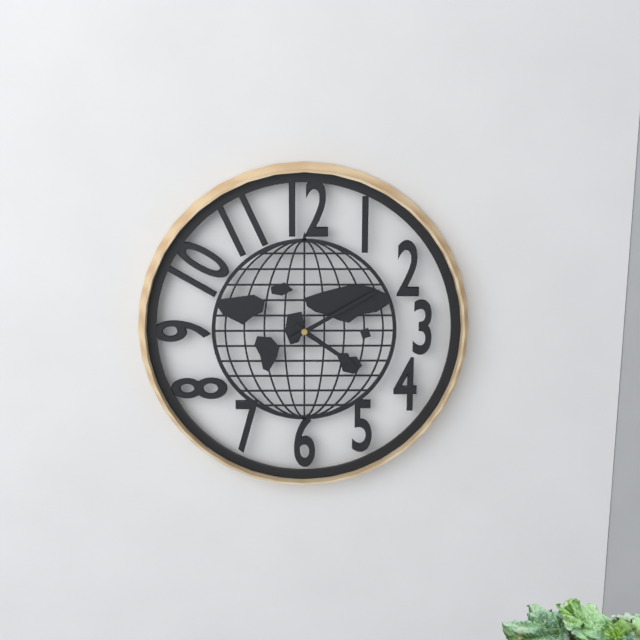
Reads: 4.10
